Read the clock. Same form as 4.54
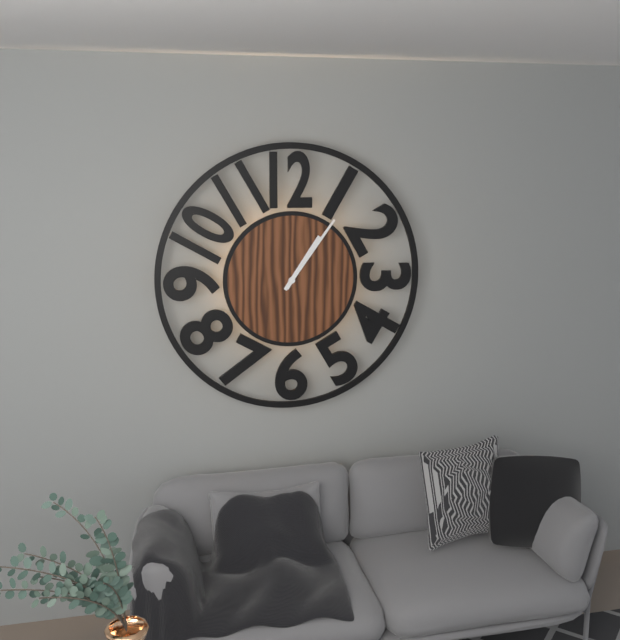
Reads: 1.06
